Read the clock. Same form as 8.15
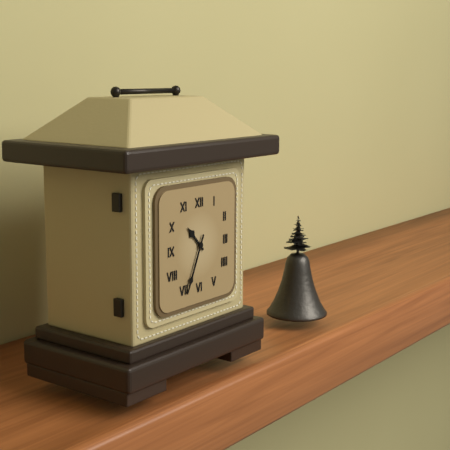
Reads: 10.34
